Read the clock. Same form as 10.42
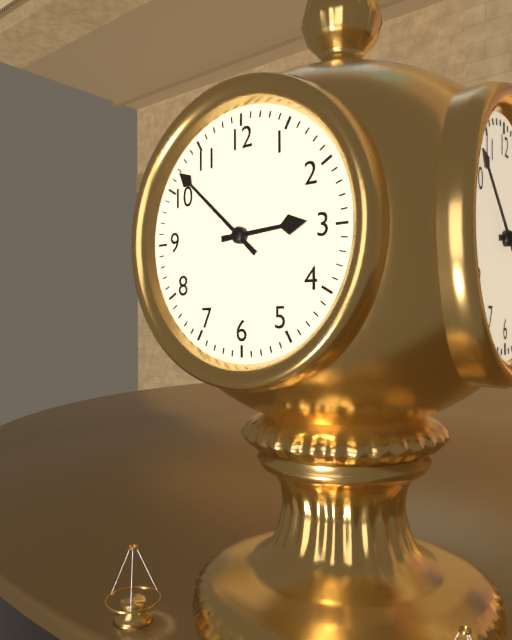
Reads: 2.52
